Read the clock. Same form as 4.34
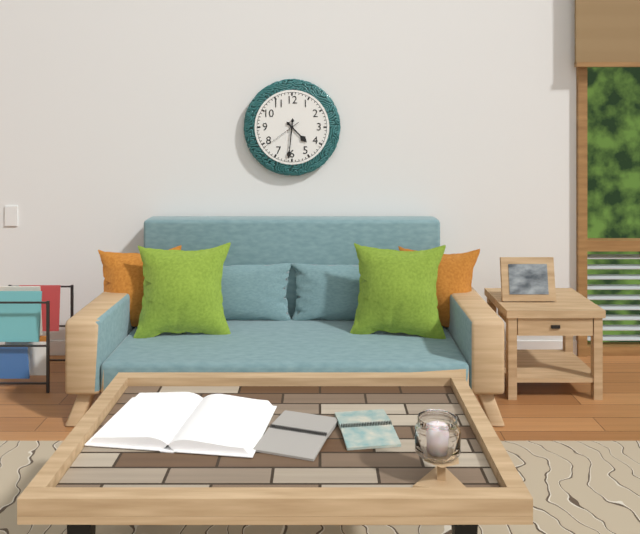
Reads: 4.31
